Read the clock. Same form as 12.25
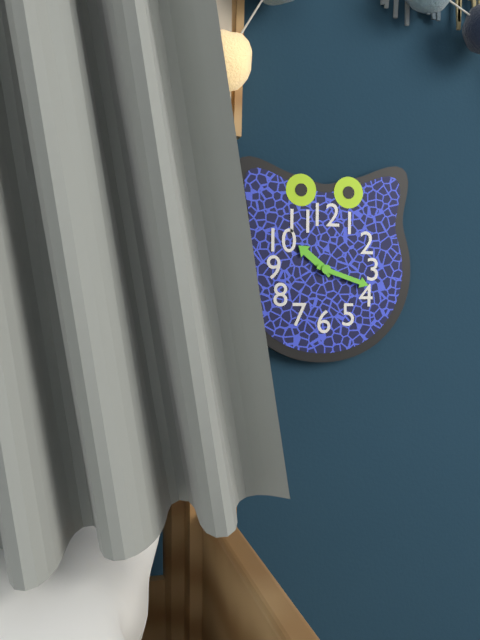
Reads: 10.18
